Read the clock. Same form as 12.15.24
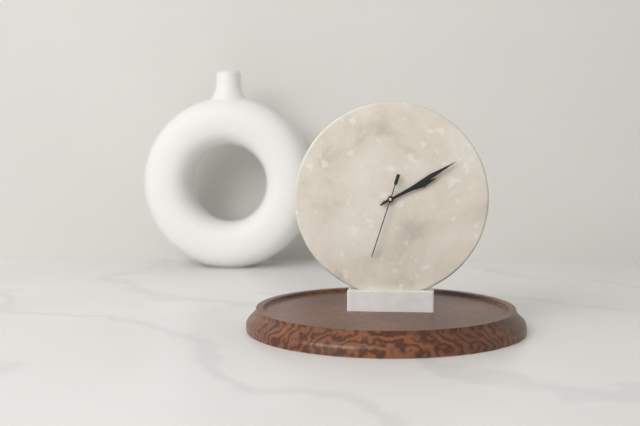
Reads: 2.10.33
